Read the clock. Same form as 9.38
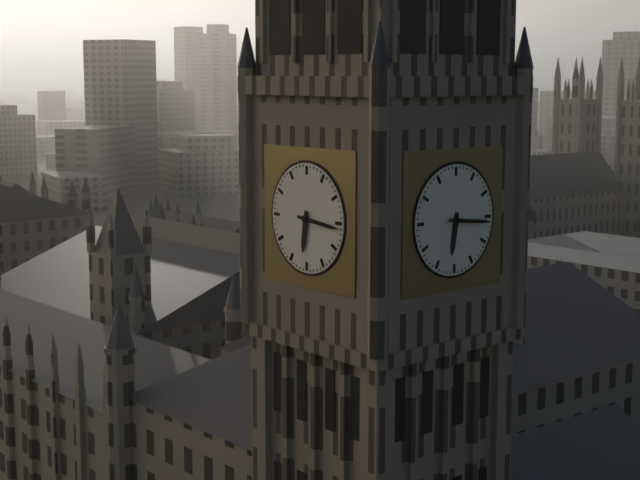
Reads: 6.16
